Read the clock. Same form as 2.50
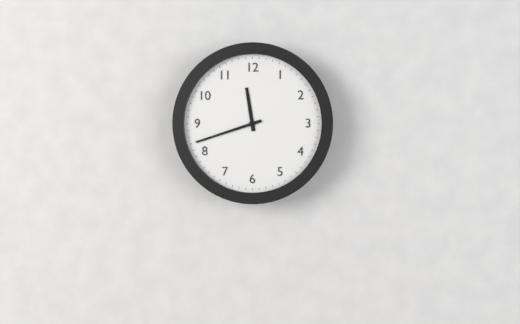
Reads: 11.42
